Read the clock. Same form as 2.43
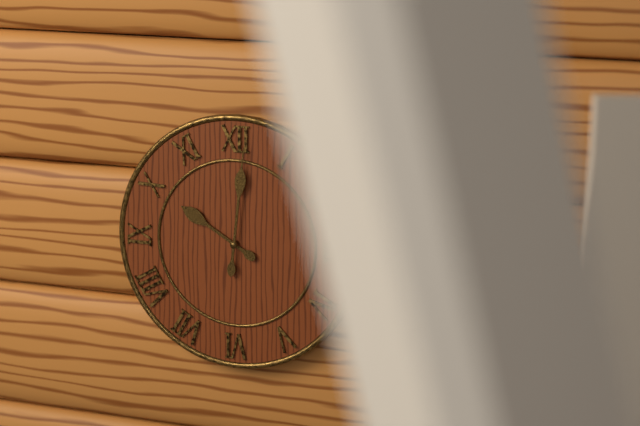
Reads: 10.01
